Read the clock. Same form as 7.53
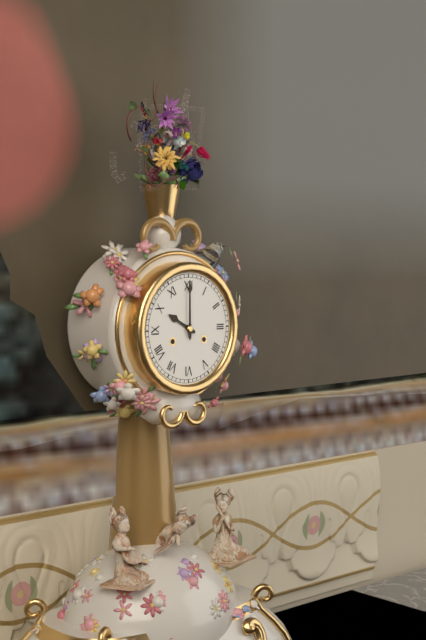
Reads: 10.00
